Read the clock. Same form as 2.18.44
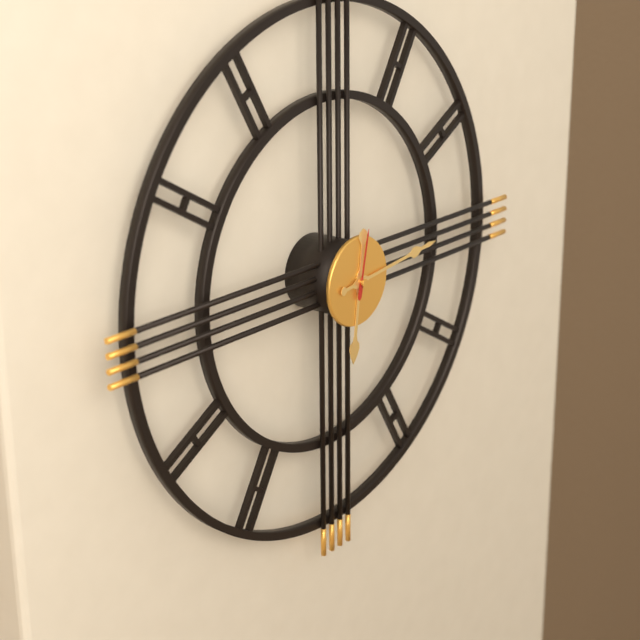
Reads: 6.14.02
